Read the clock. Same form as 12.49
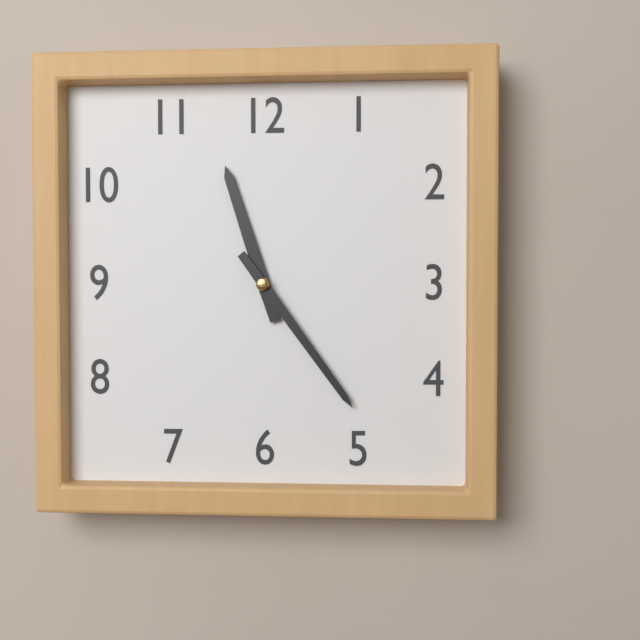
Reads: 11.24
